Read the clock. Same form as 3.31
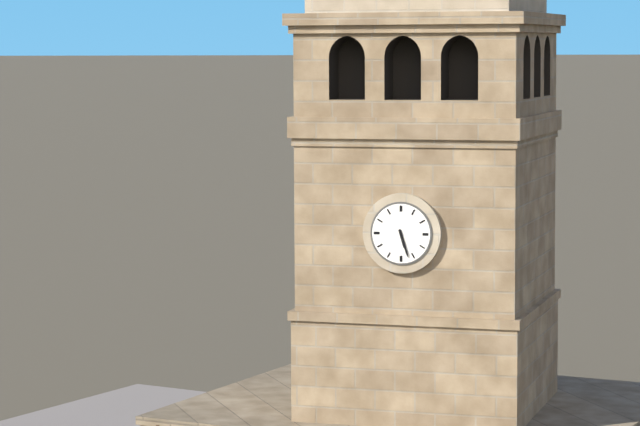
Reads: 5.27
